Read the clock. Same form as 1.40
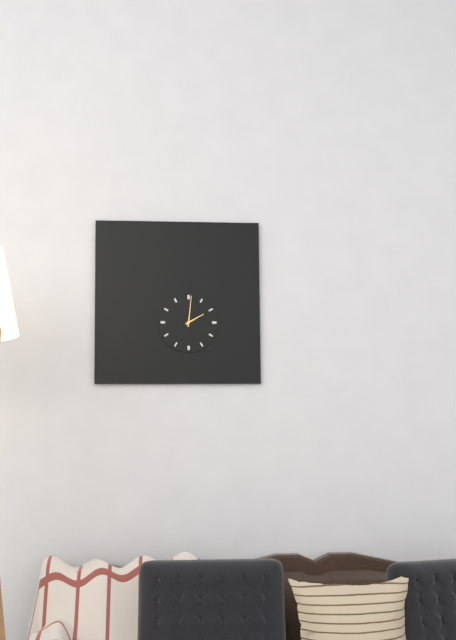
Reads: 2.01
